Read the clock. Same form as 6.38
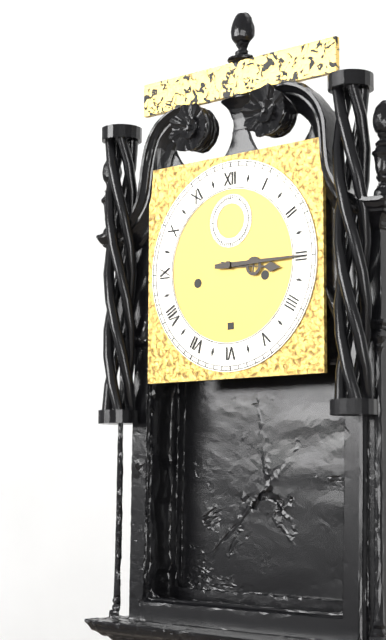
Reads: 3.15
